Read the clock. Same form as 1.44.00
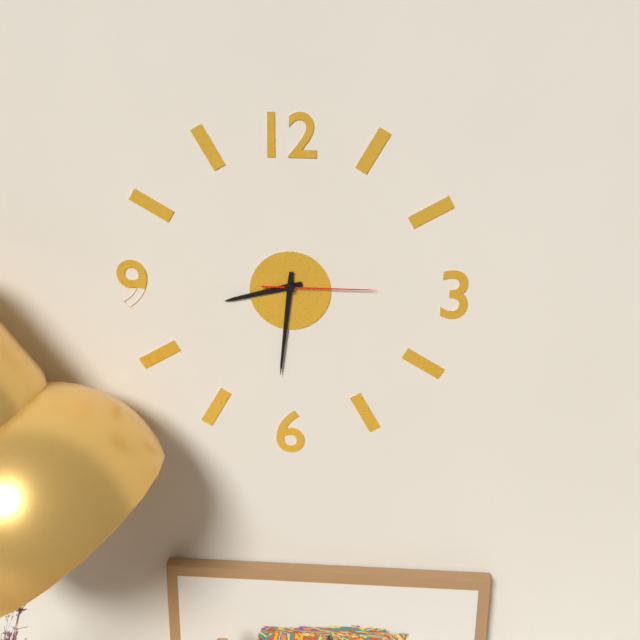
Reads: 8.31.15
